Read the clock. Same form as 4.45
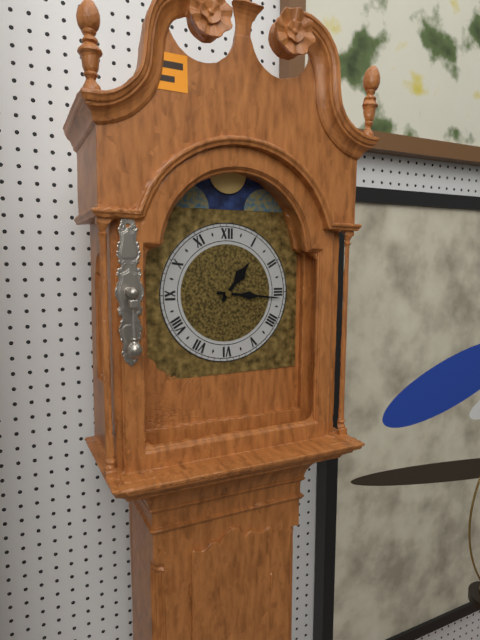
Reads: 1.16
